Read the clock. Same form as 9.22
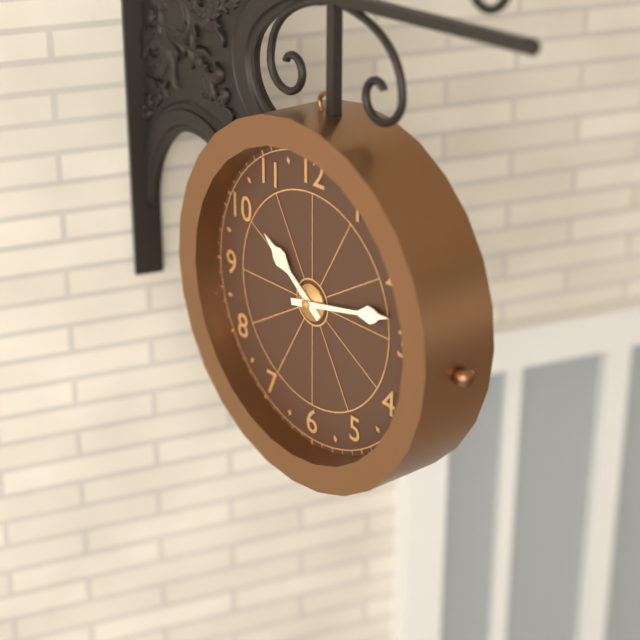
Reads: 10.13
